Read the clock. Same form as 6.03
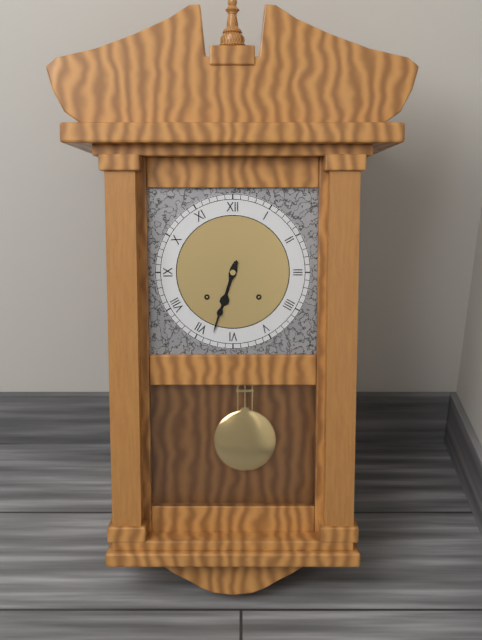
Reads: 6.33
